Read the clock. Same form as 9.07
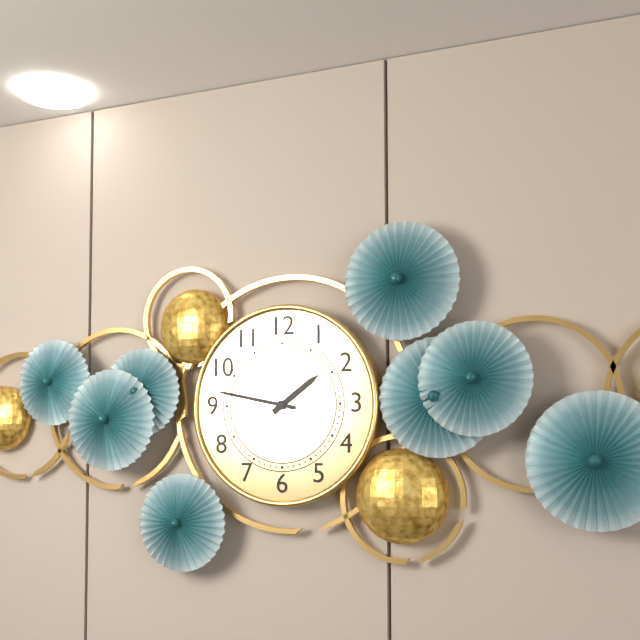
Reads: 1.47
